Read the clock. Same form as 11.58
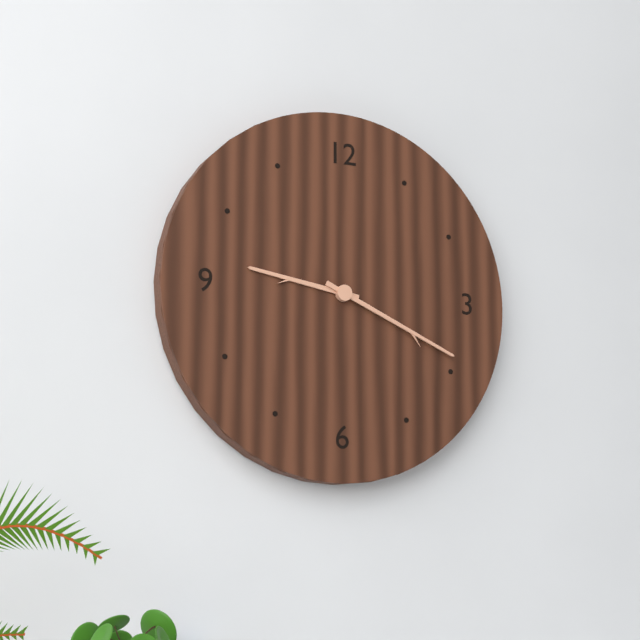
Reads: 9.19
